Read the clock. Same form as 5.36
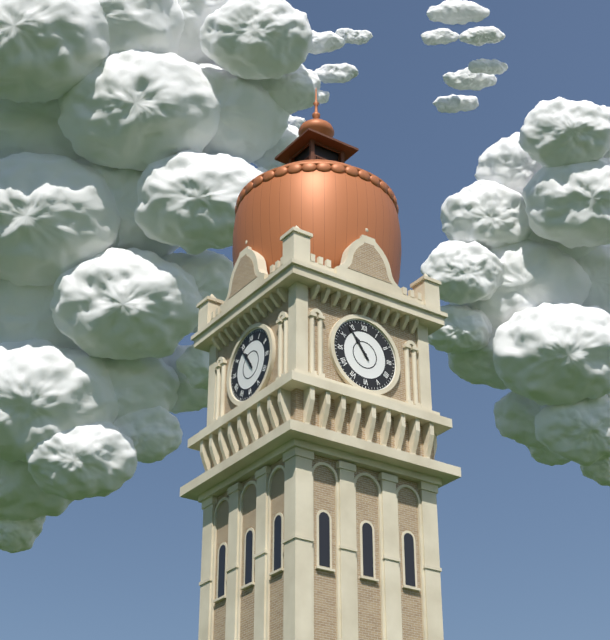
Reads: 10.54
